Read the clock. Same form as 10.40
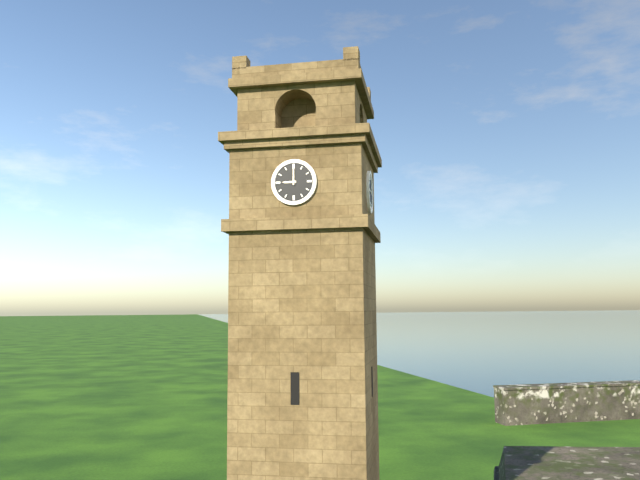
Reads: 9.00
